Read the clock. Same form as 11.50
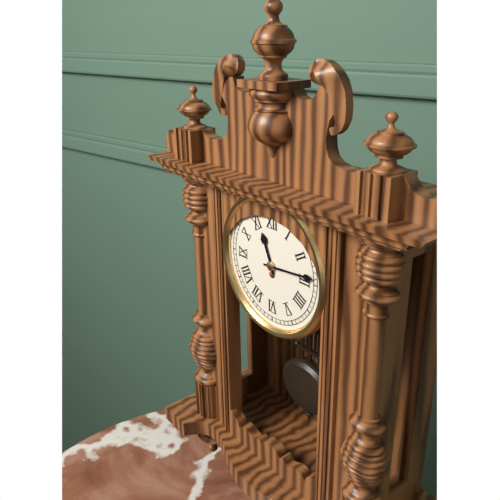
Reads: 11.14
